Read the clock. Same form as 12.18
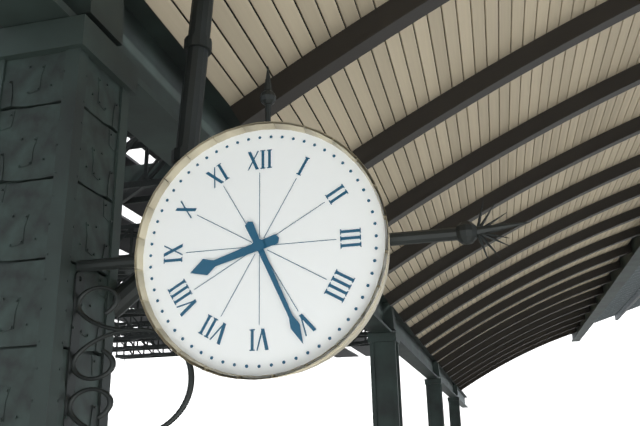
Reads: 8.26
